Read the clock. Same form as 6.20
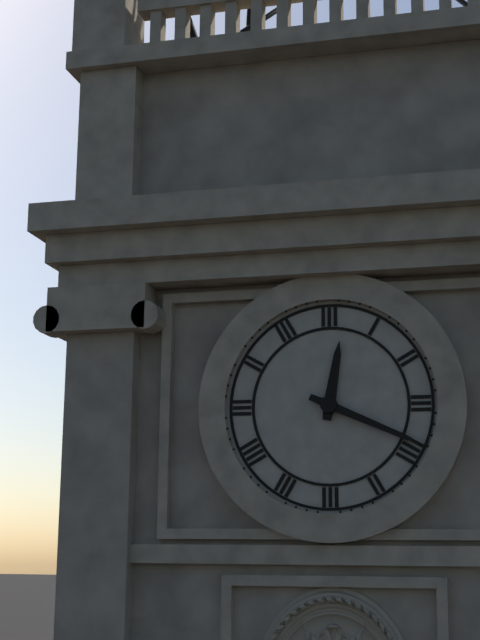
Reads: 12.19
